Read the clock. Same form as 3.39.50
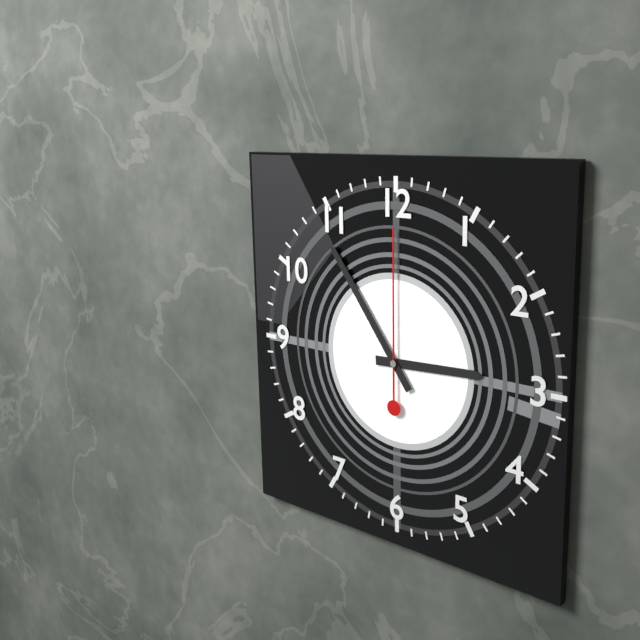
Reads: 2.54.00
